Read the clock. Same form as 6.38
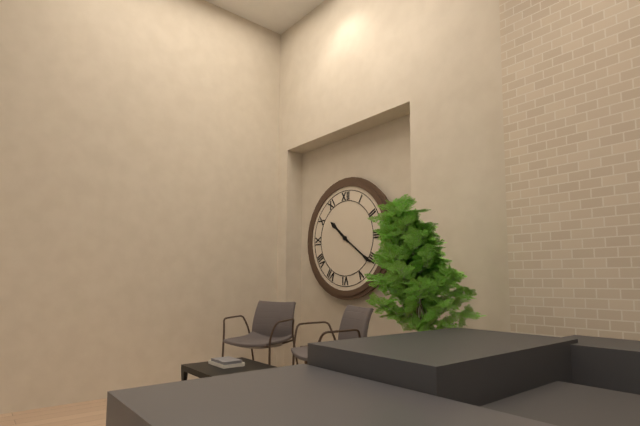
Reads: 10.21
